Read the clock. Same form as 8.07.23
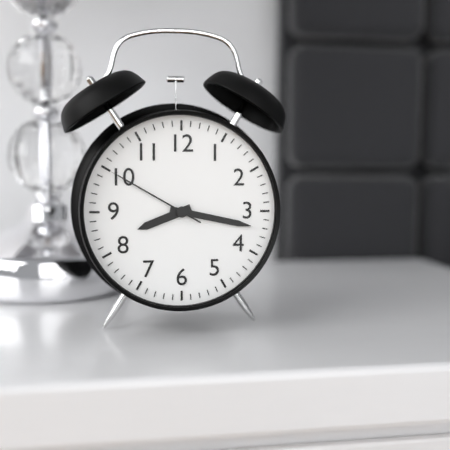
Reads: 8.17.50
